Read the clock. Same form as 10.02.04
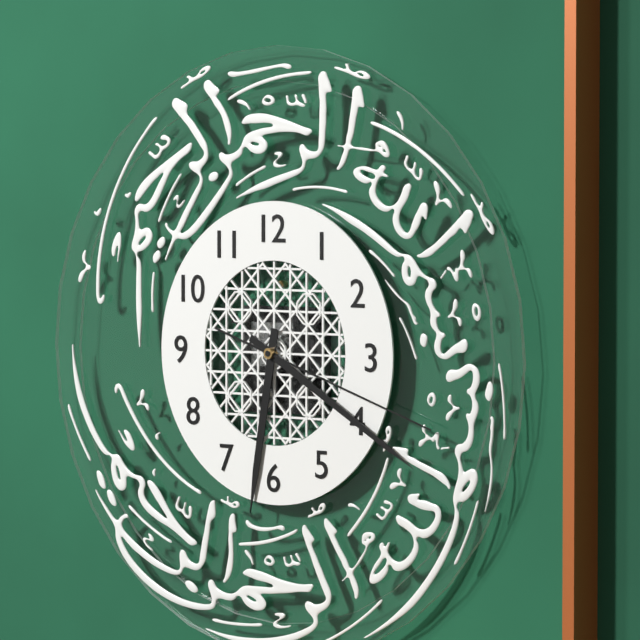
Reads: 6.20.18
